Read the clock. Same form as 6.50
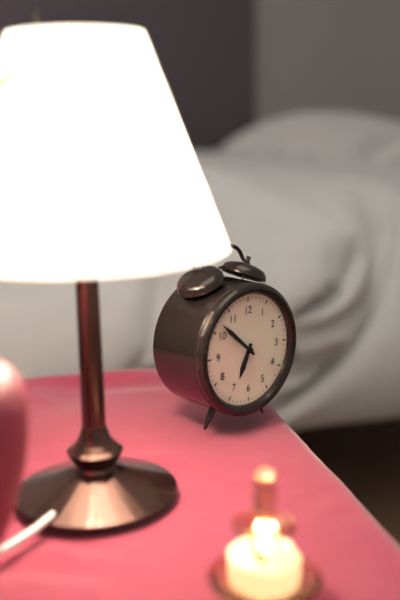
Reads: 6.52
